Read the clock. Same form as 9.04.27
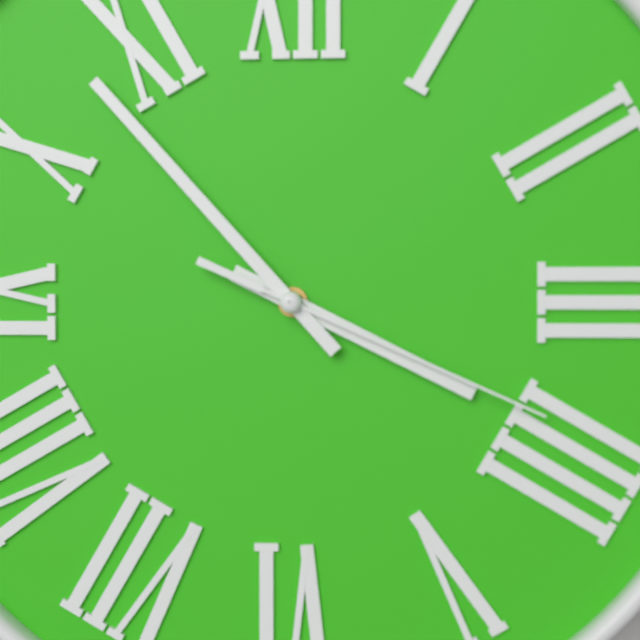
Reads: 3.53.19
